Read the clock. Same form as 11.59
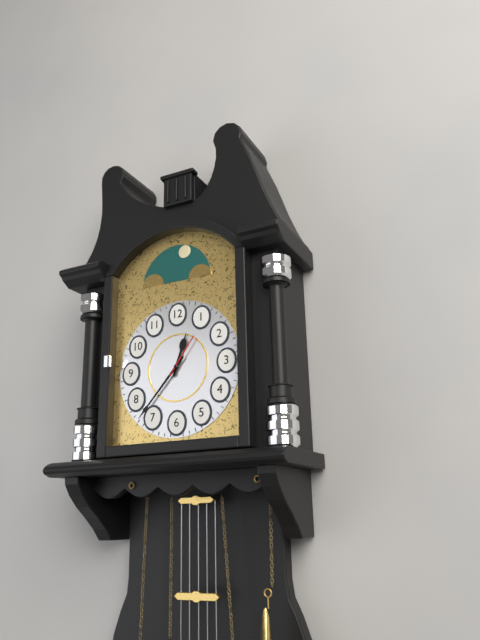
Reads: 12.37
